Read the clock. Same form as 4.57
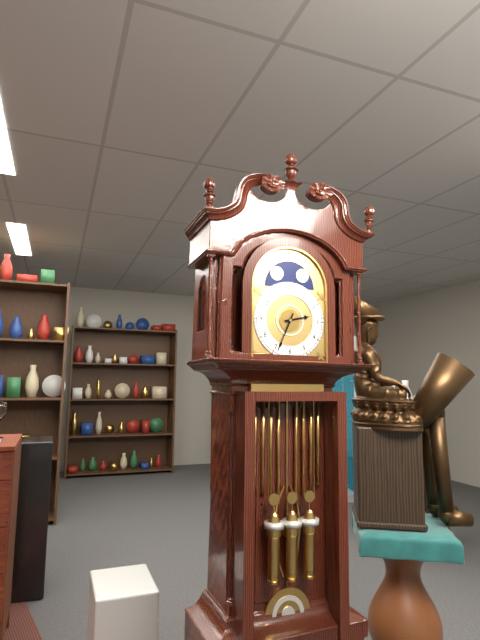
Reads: 2.34
